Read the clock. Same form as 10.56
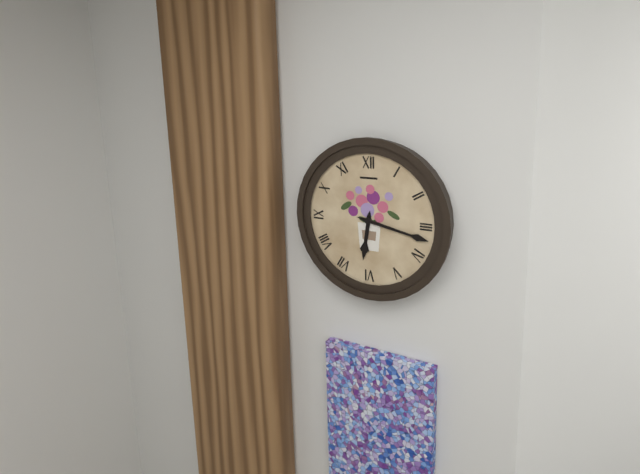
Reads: 6.17
